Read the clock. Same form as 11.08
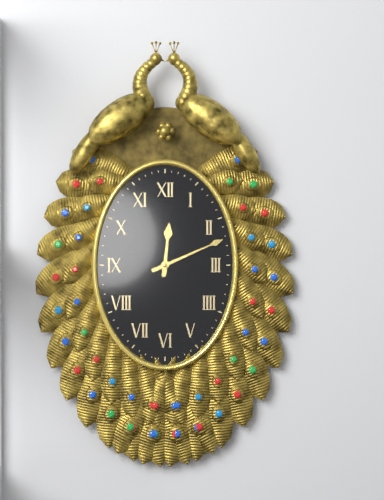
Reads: 12.11
